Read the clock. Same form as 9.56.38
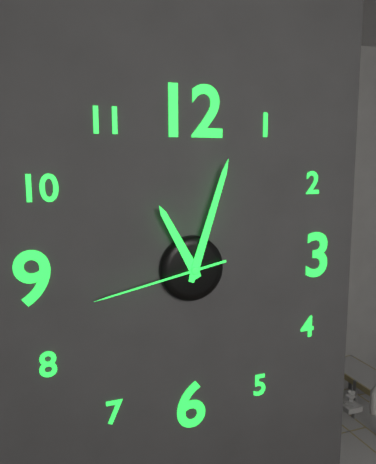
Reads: 11.03.43
